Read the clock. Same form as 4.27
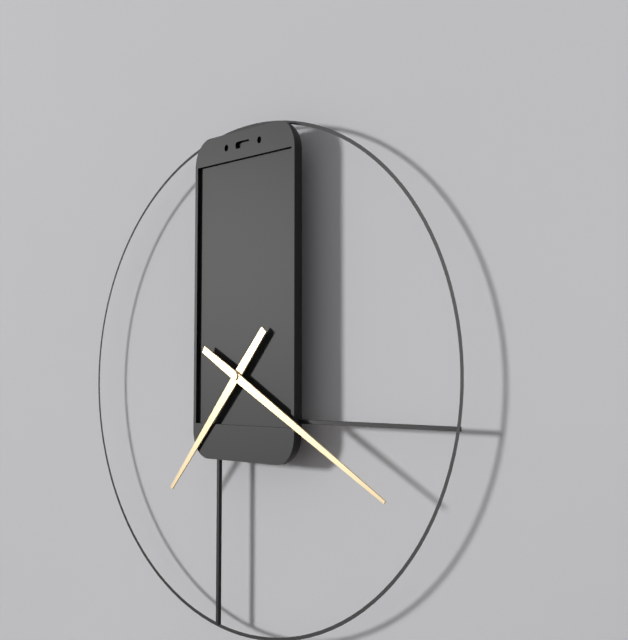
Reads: 7.20
